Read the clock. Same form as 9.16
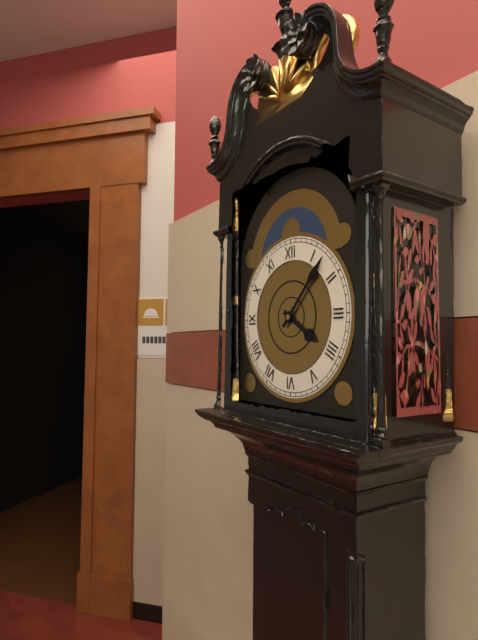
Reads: 4.07
